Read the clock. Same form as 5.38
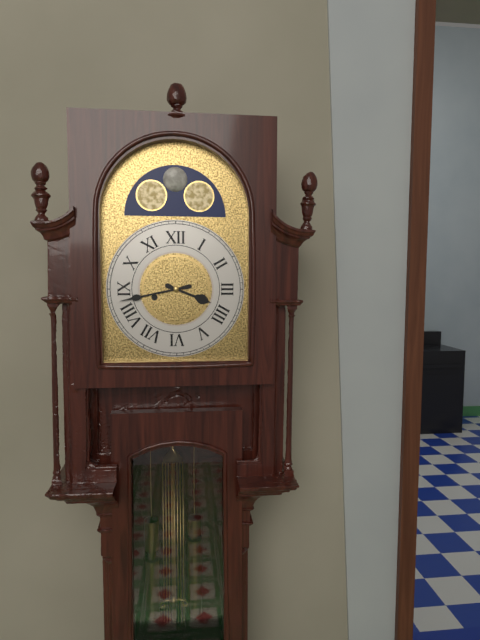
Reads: 3.43
